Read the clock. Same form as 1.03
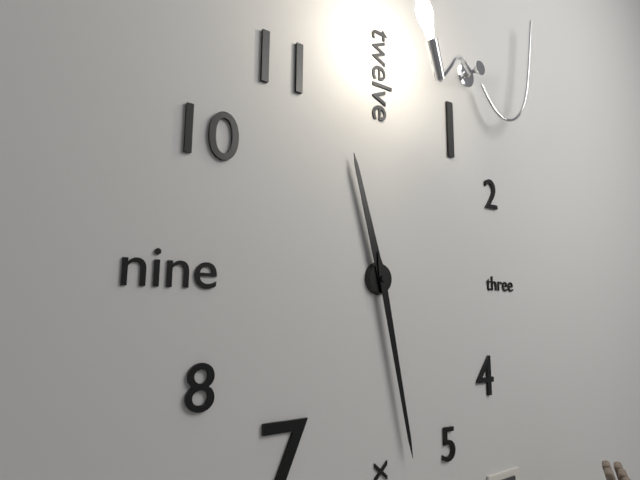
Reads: 11.28
